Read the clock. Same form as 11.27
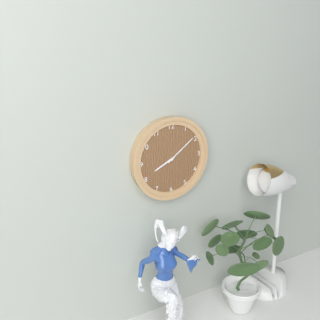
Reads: 8.09
